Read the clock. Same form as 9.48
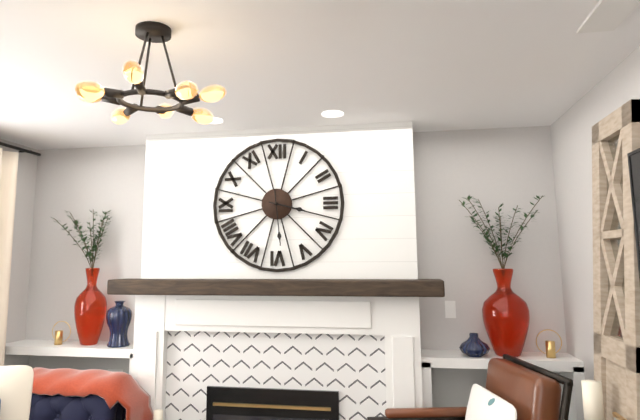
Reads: 3.29
